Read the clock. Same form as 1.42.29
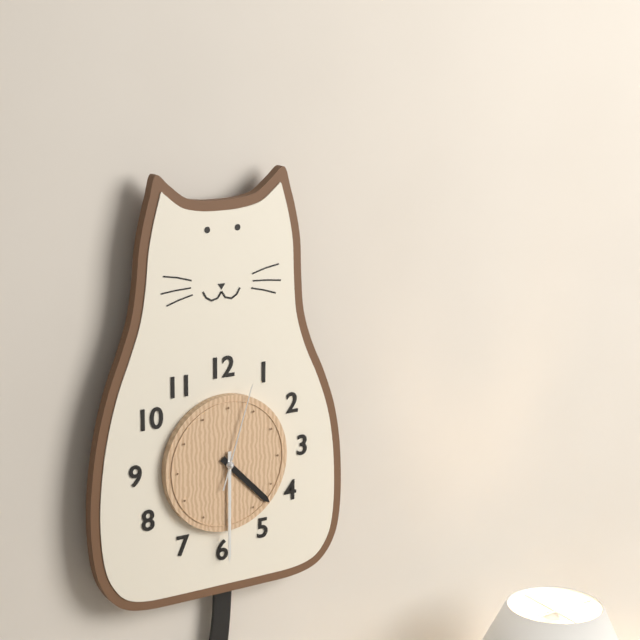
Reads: 4.30.03
